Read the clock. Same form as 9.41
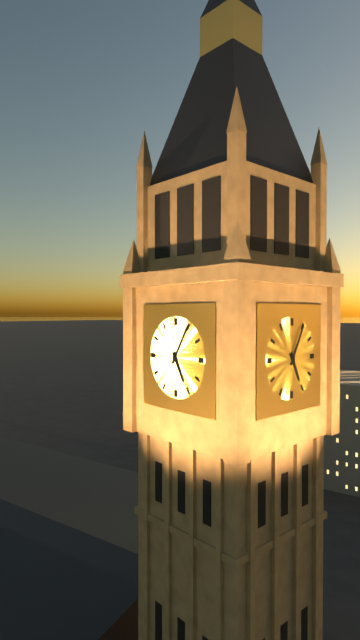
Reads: 5.05
